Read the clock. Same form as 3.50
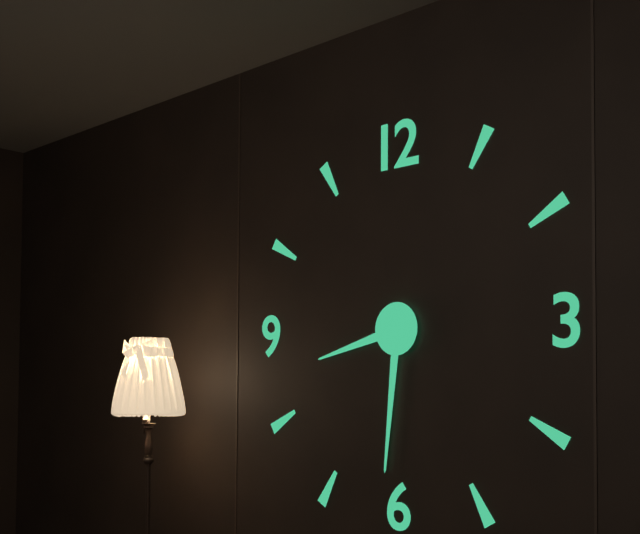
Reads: 8.31
